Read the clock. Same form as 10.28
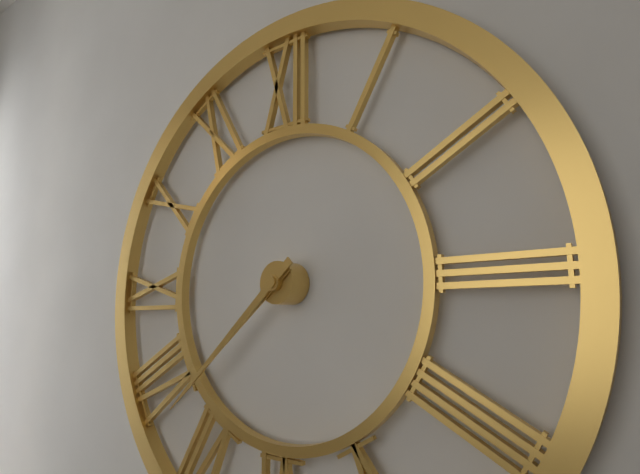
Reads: 7.38
